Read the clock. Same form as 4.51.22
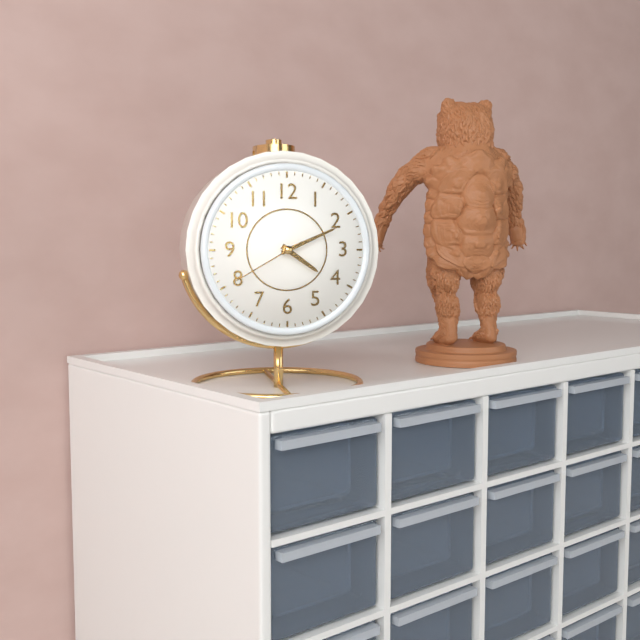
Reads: 4.11.40
